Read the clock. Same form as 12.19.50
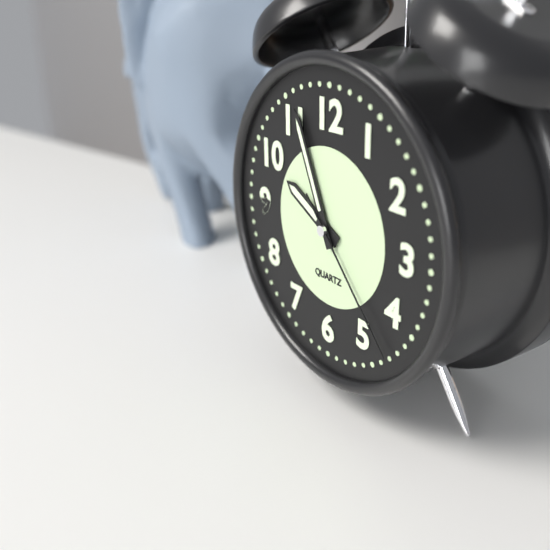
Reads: 9.56.23
